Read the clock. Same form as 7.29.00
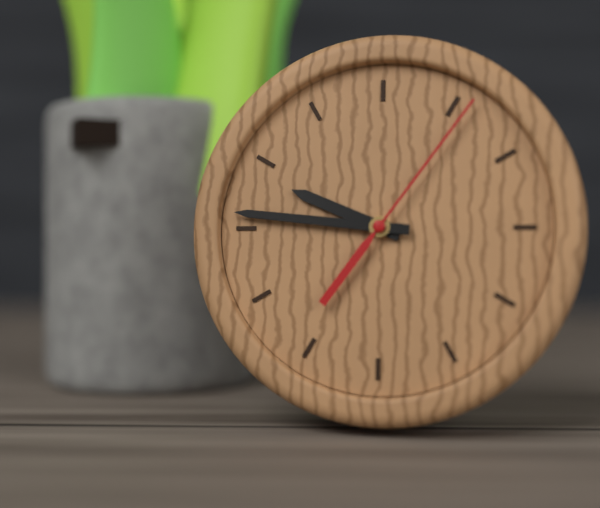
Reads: 9.46.06
